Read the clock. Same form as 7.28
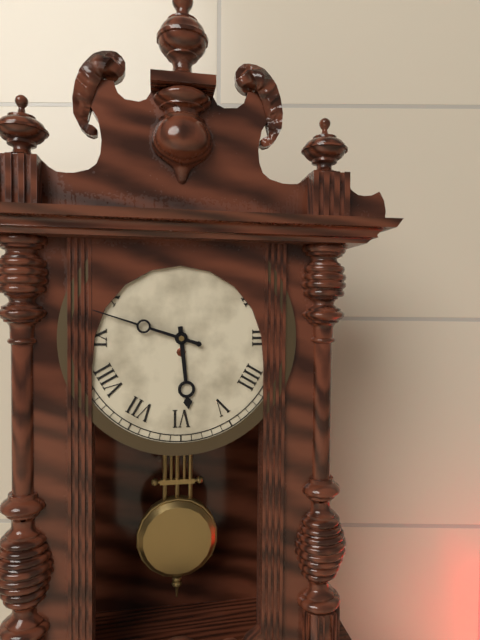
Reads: 5.48
